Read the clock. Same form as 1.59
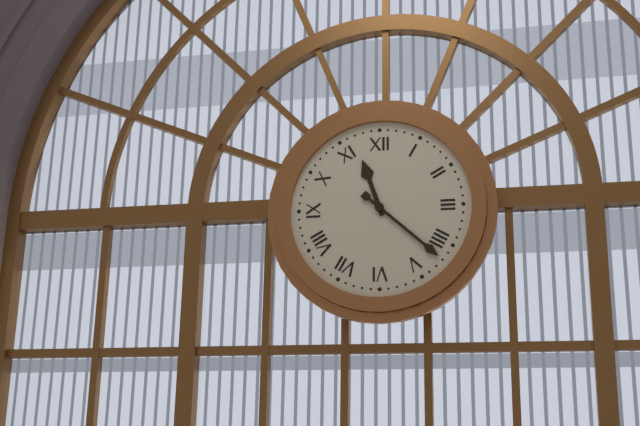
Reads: 11.22
